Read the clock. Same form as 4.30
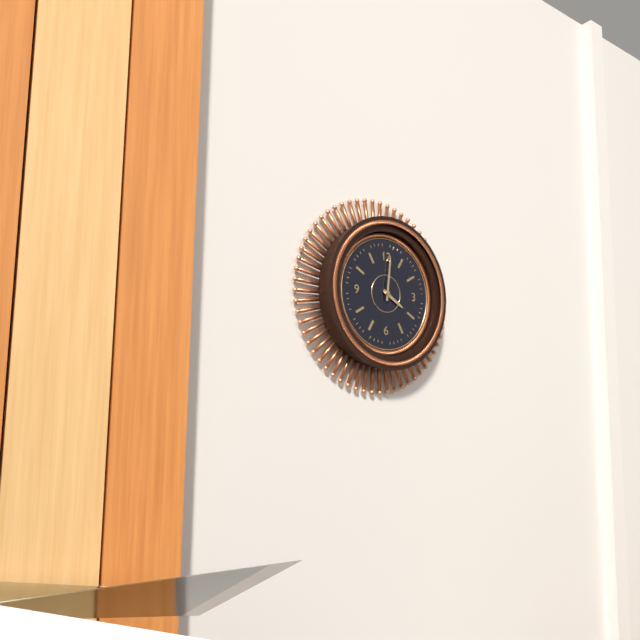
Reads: 4.01
